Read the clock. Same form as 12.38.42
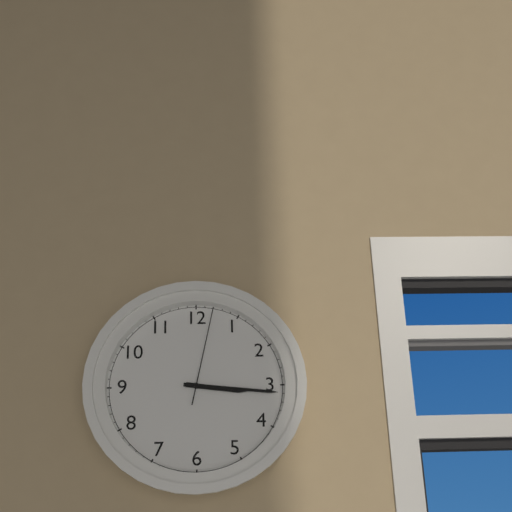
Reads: 3.16.02
